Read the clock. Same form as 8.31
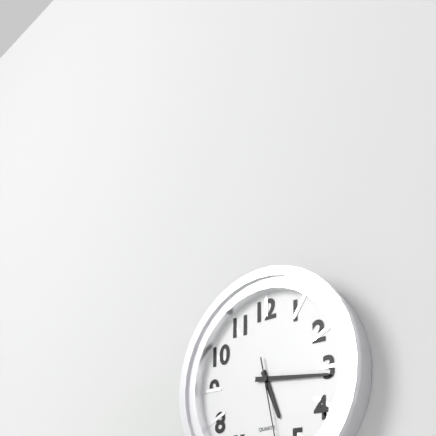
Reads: 5.16
